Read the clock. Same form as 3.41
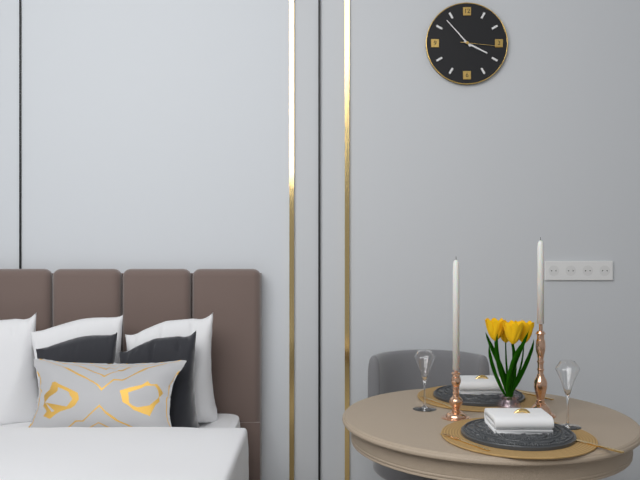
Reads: 3.53
